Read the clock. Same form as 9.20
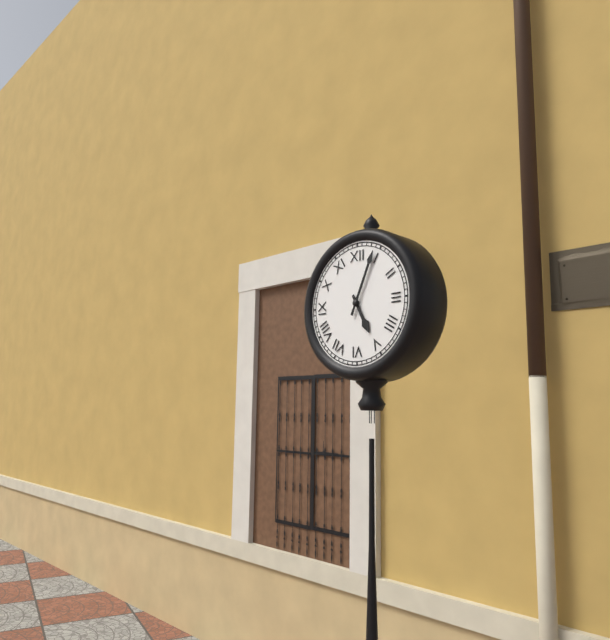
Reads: 5.04
